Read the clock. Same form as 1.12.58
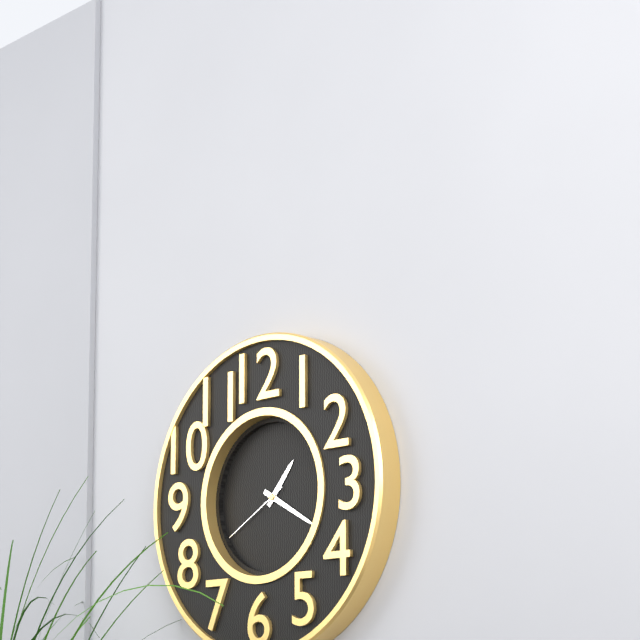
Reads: 1.20.40
